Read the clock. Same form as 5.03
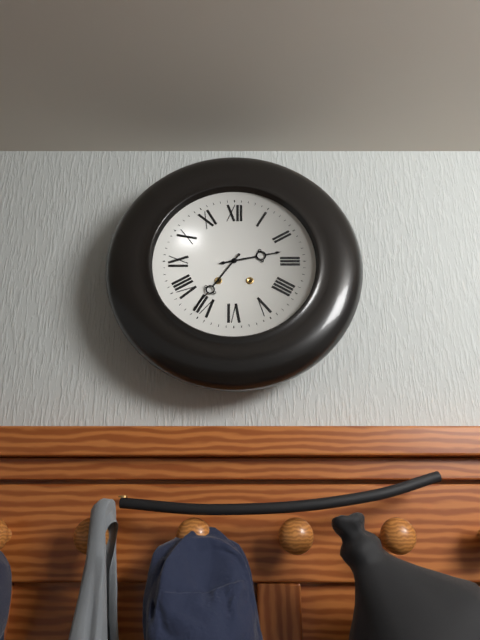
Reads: 2.36
